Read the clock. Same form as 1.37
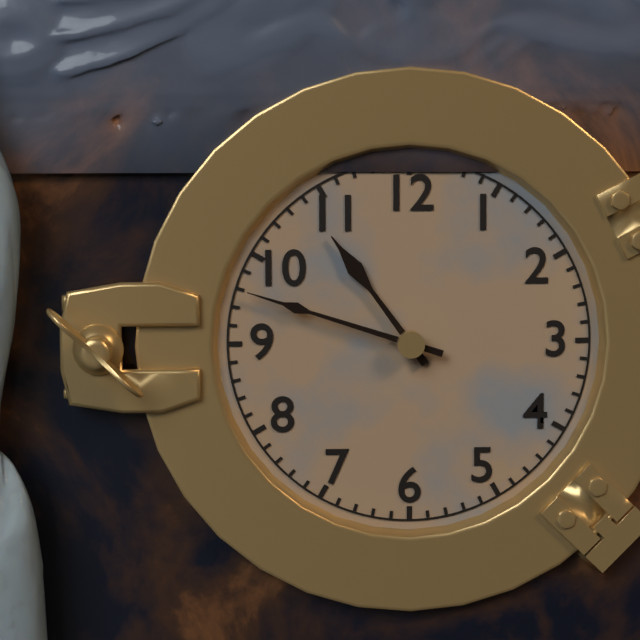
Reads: 10.48
